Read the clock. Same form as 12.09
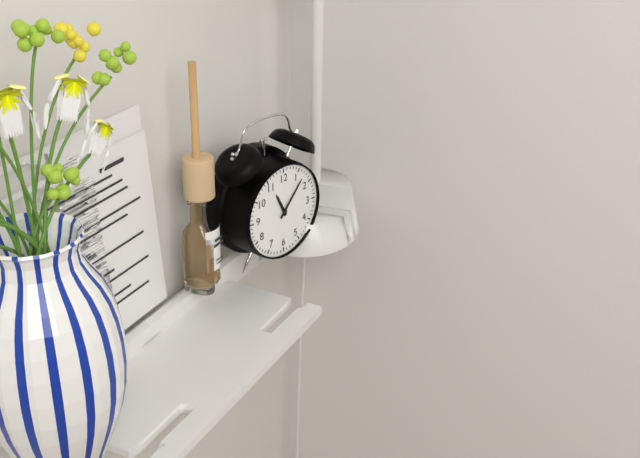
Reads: 11.07
